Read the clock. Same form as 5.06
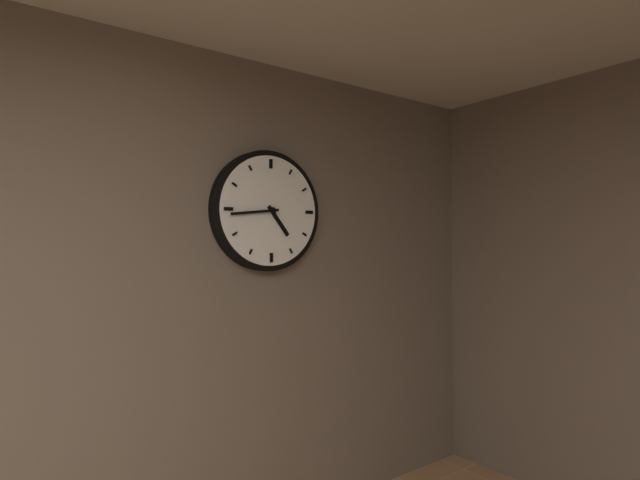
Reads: 4.44
